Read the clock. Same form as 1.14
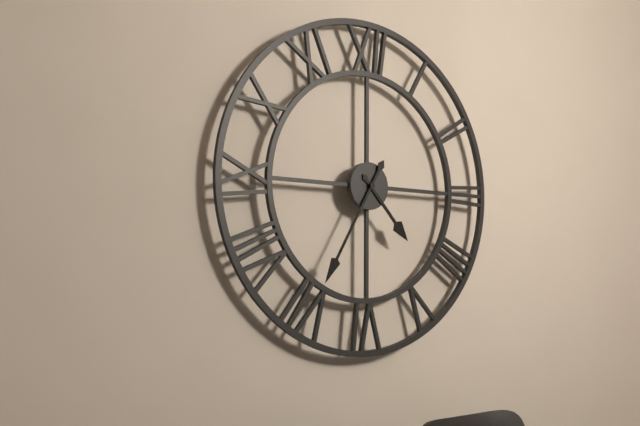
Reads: 4.35
